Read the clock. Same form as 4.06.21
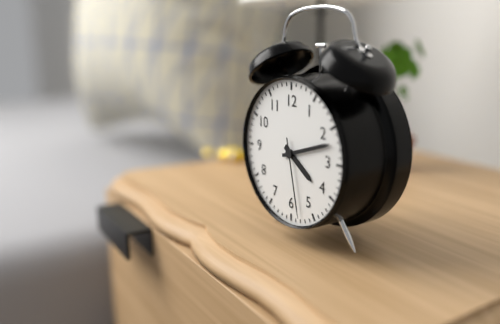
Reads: 4.12.28
